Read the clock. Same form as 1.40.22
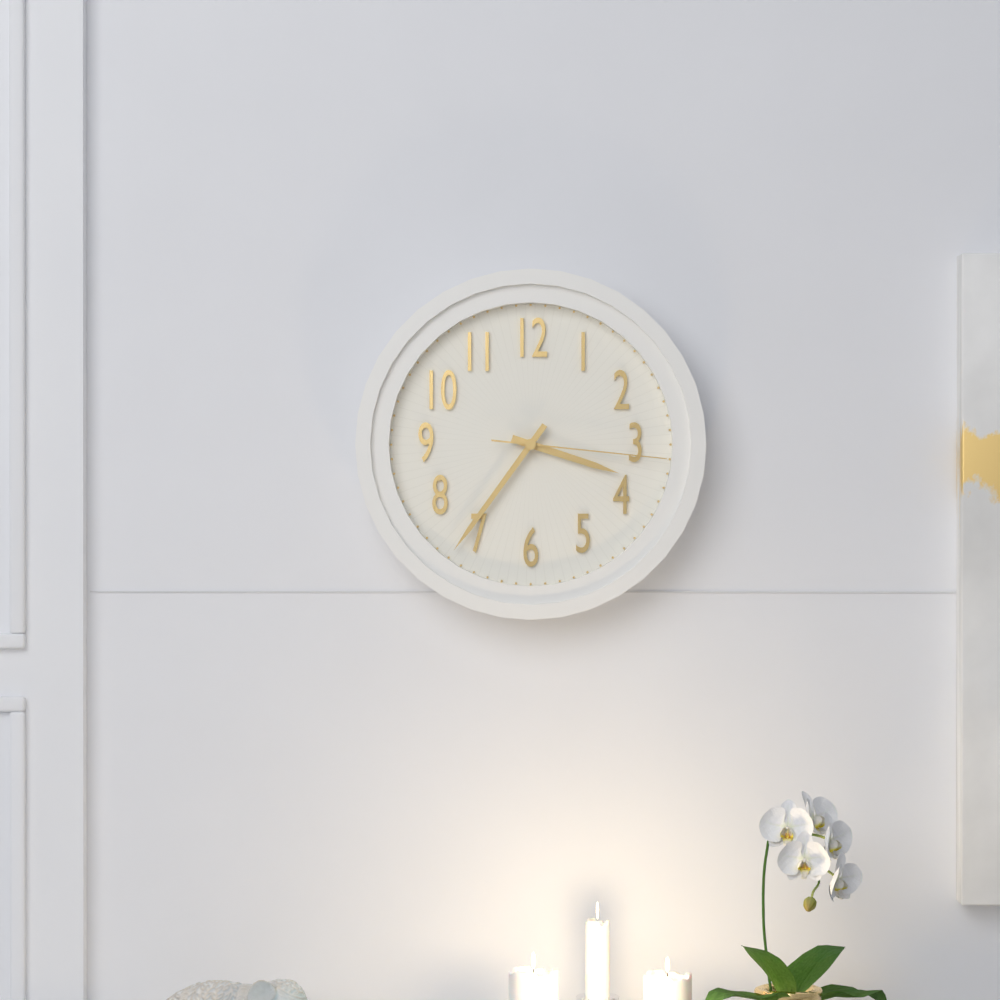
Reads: 3.36.16
